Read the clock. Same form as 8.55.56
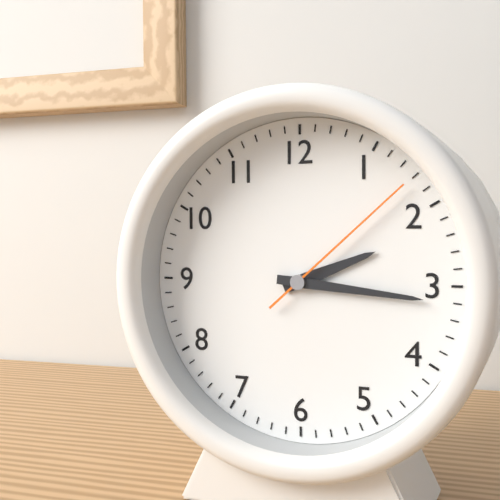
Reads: 2.16.08
